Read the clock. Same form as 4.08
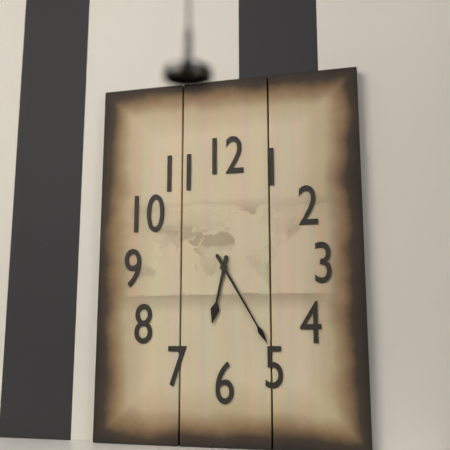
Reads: 6.25
